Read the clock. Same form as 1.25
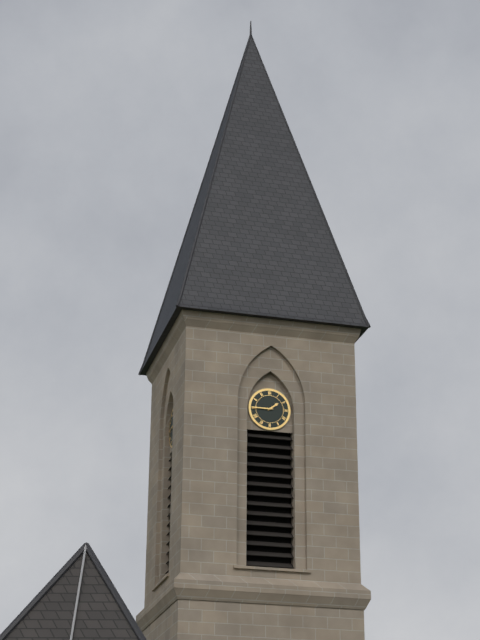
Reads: 1.45
